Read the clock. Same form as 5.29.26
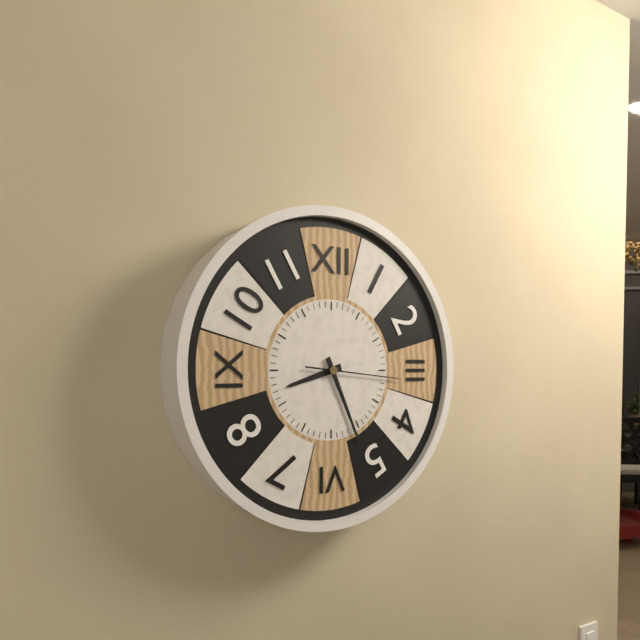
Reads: 8.26.16
